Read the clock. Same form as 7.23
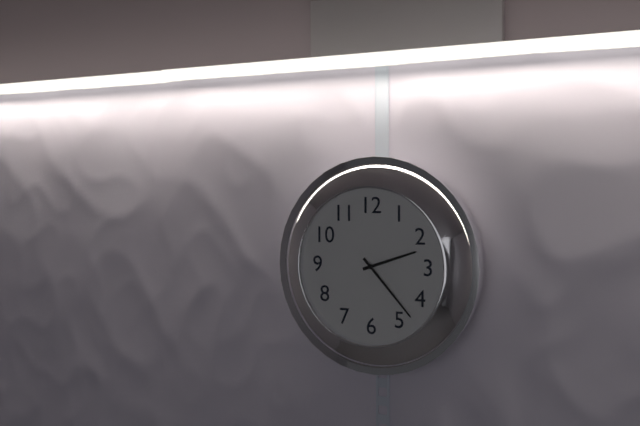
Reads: 2.23
